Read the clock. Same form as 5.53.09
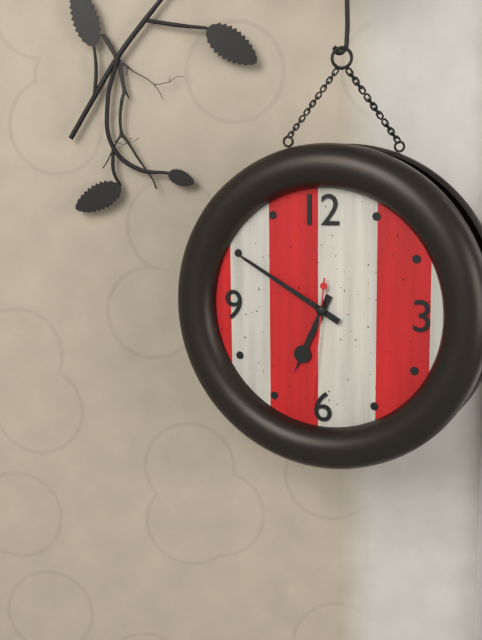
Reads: 6.50.31
